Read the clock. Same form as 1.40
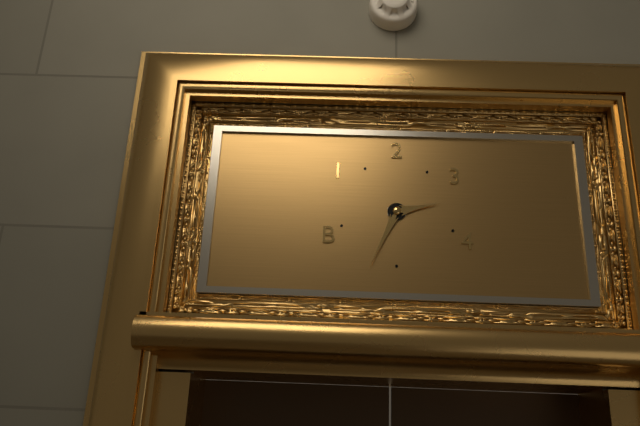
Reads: 2.34
